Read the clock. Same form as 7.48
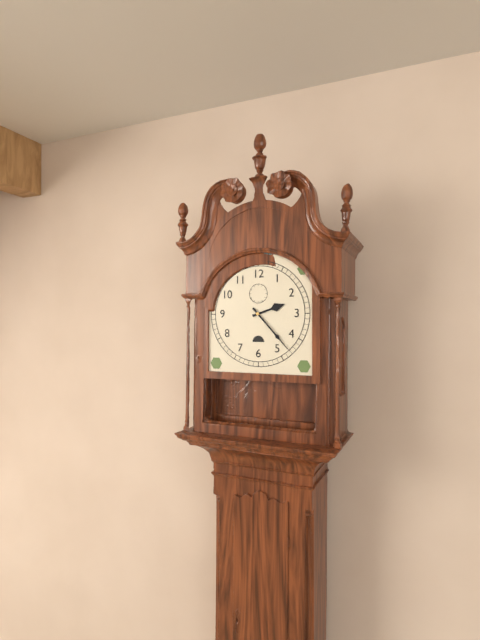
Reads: 2.23
